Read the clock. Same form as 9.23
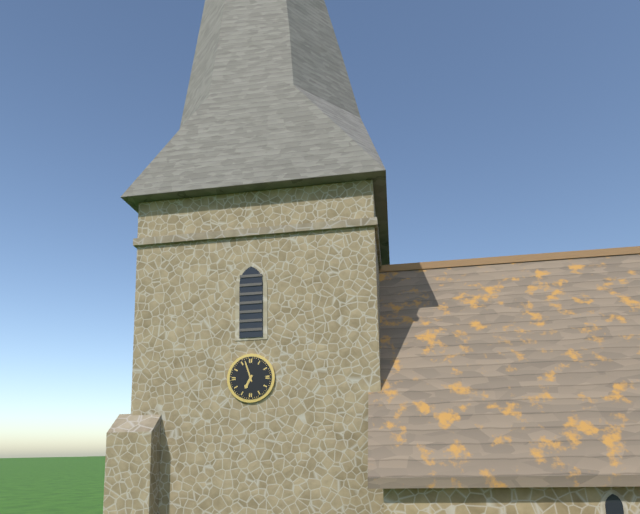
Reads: 6.57
